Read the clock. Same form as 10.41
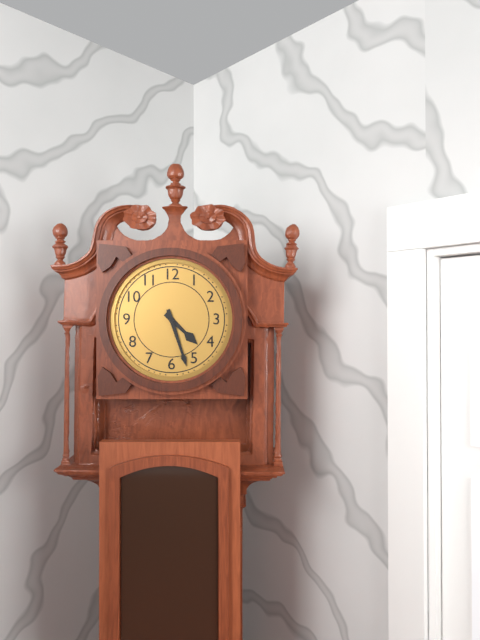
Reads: 4.27
